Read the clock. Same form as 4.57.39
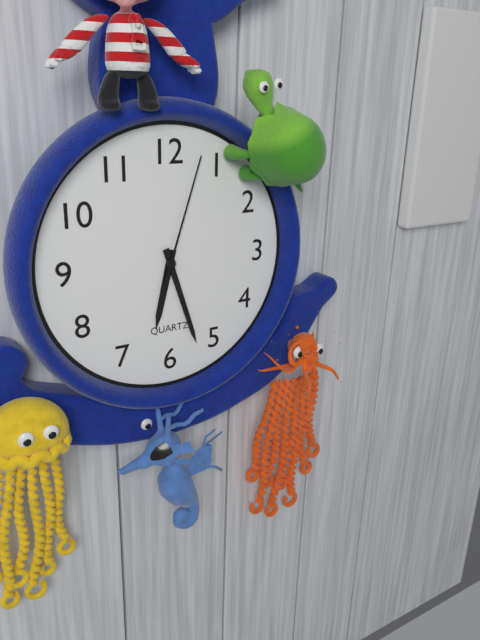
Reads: 6.27.03
